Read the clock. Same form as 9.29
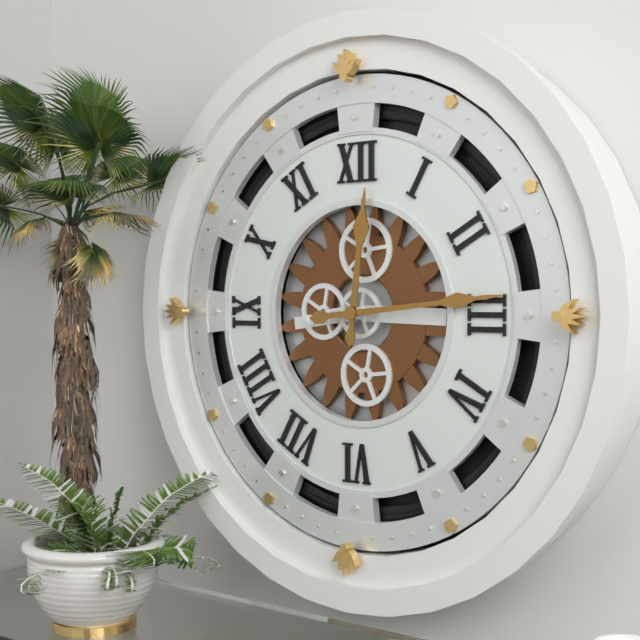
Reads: 12.14
